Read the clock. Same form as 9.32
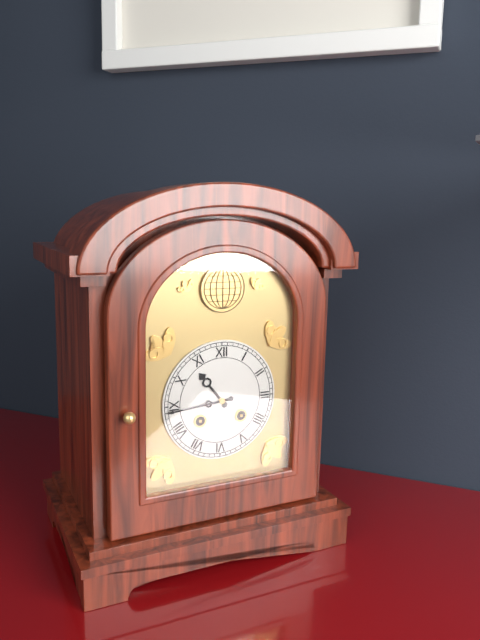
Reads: 10.44
